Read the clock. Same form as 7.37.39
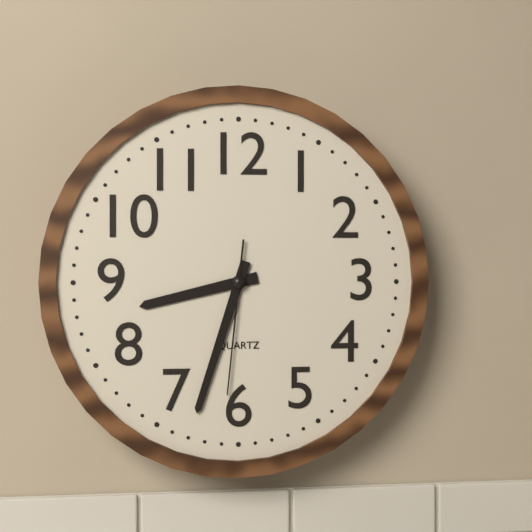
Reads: 8.33.31
